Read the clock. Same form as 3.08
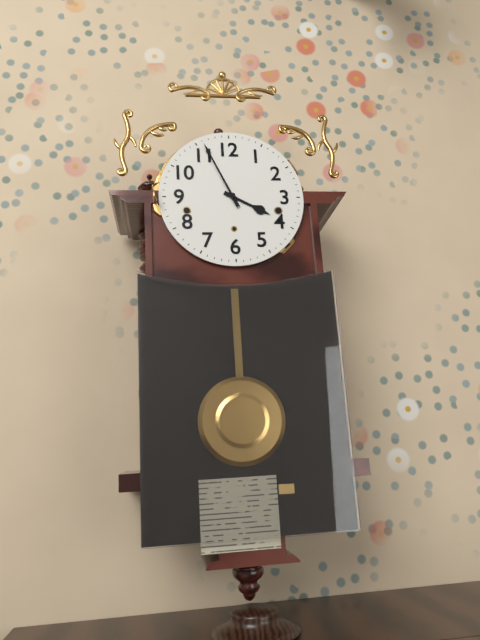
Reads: 3.56
